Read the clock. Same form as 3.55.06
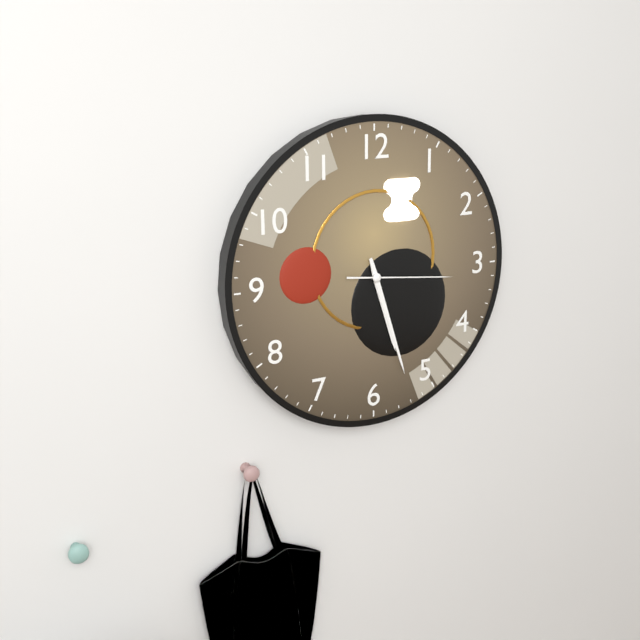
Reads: 5.27.16
